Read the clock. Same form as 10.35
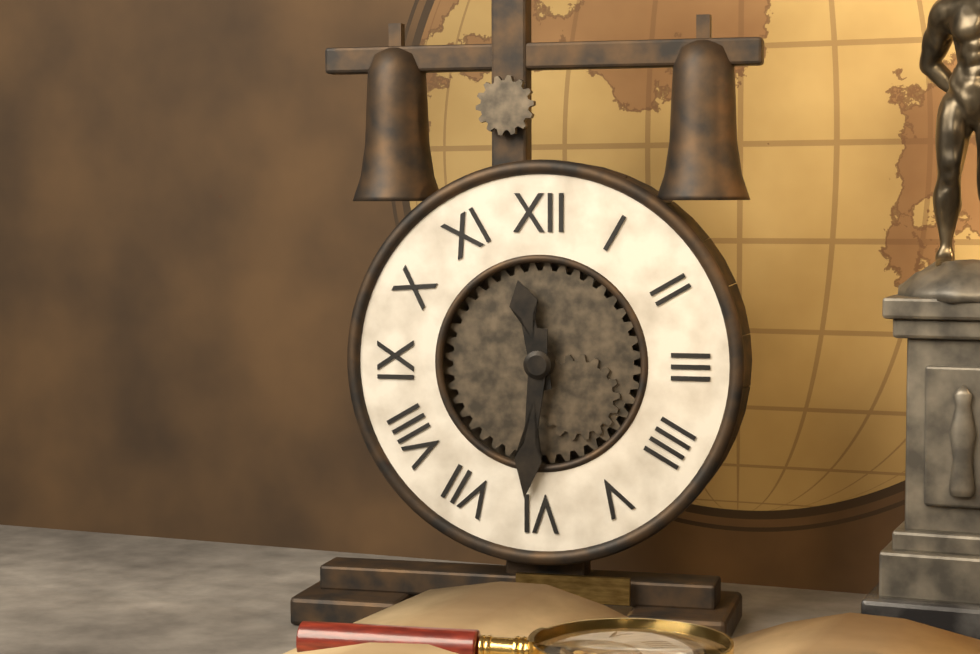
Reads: 11.31
